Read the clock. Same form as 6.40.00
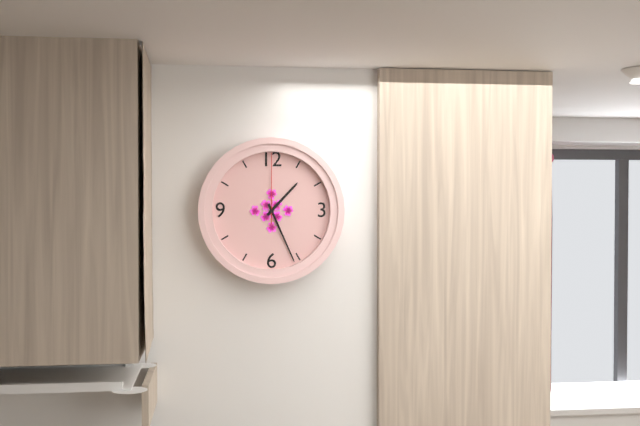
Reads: 1.26.00
